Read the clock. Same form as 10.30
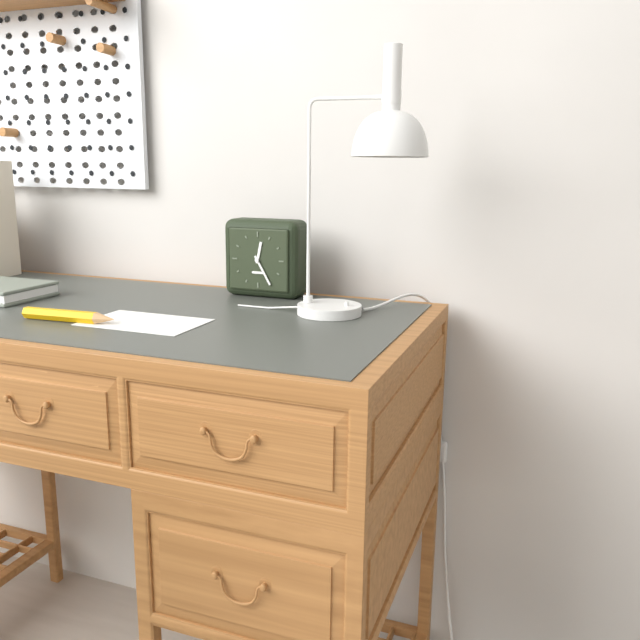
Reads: 12.25
